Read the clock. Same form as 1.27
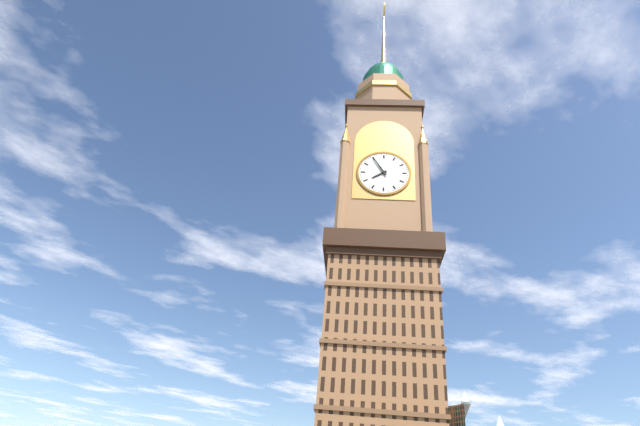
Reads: 7.55
